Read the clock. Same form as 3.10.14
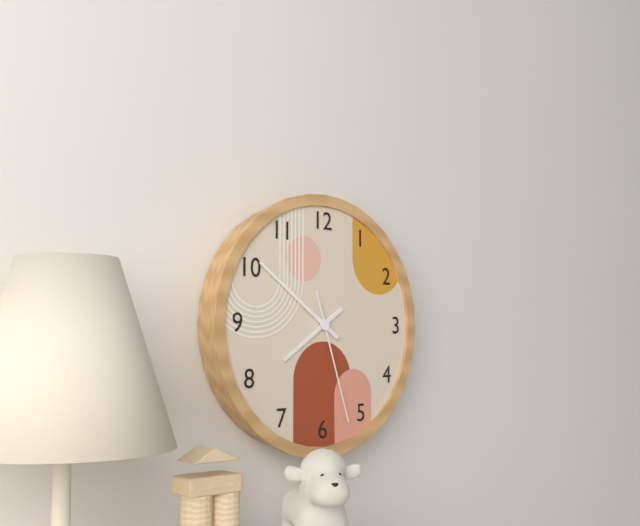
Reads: 7.51.27
